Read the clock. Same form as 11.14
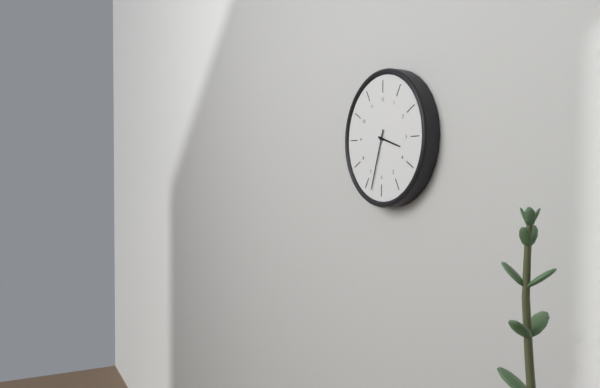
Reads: 3.33
